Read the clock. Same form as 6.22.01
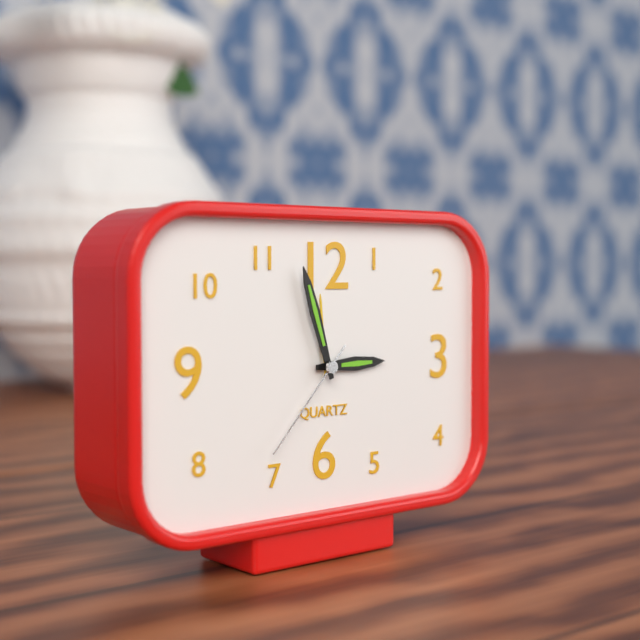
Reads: 2.57.37
